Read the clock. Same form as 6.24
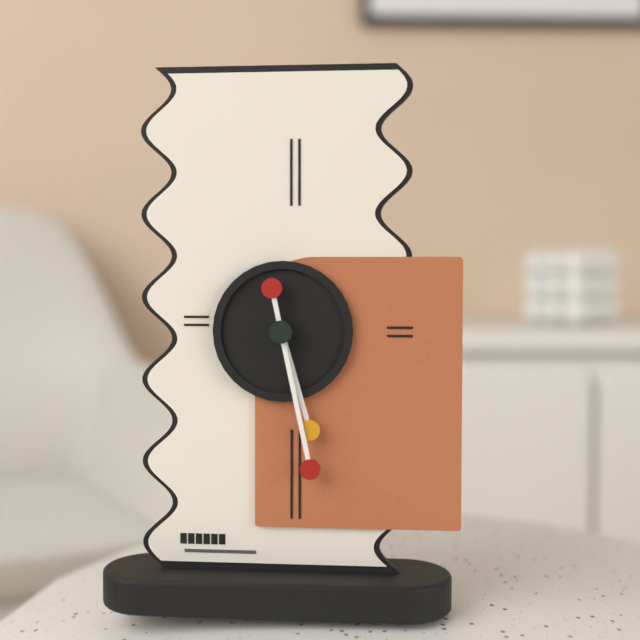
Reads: 5.28
